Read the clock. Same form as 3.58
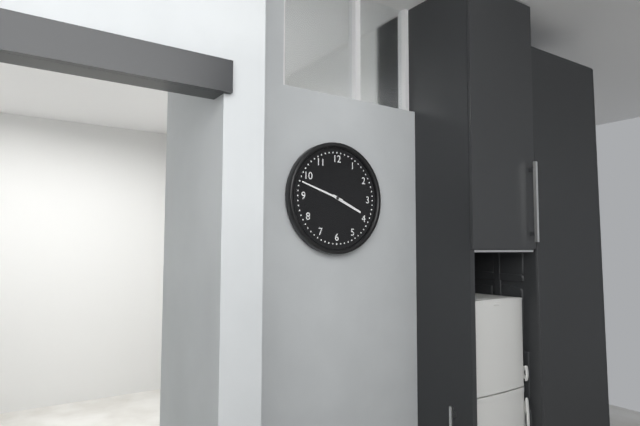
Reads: 3.48
